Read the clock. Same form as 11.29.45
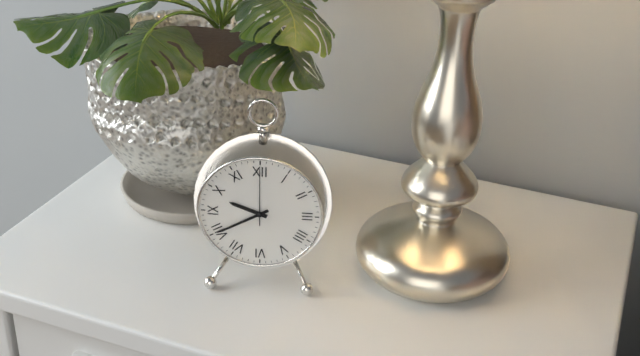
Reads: 9.40.00
